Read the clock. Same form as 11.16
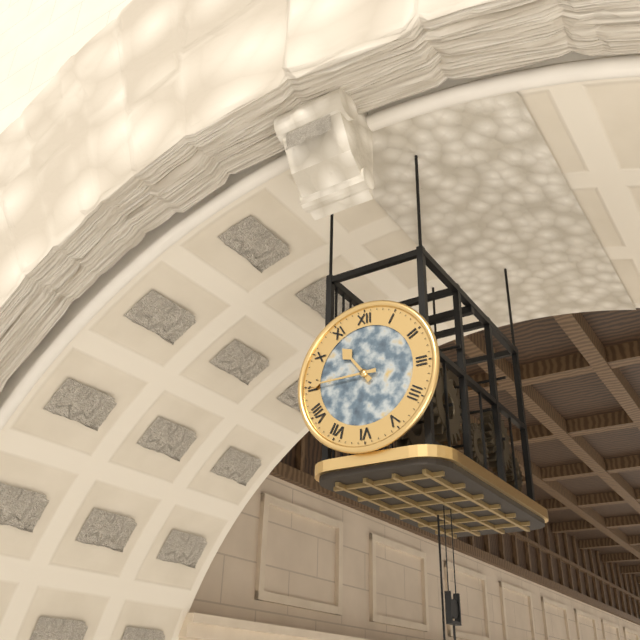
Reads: 10.45
